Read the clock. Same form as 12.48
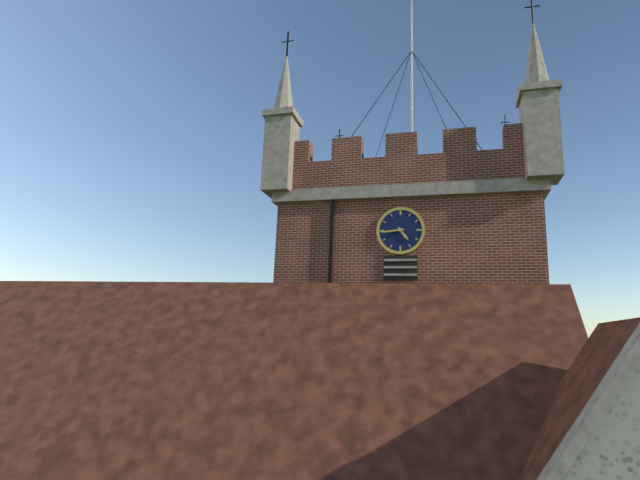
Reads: 4.44
